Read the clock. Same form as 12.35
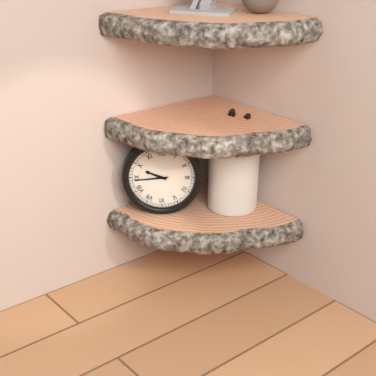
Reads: 9.44
